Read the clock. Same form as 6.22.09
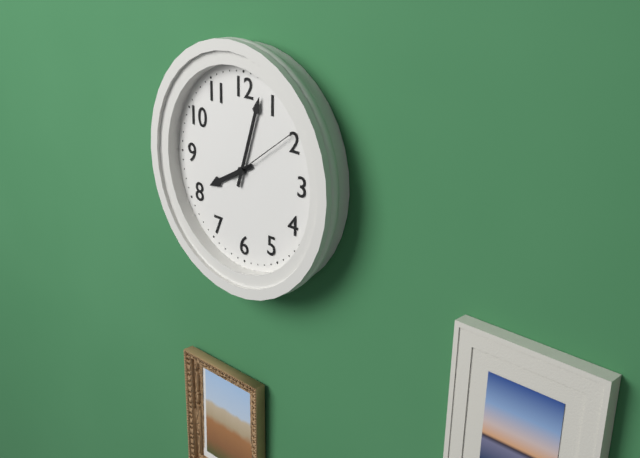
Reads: 8.03.09
